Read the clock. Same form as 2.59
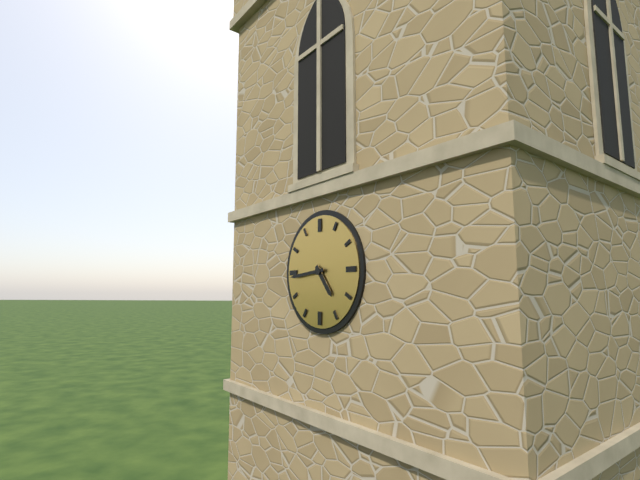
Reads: 4.44
